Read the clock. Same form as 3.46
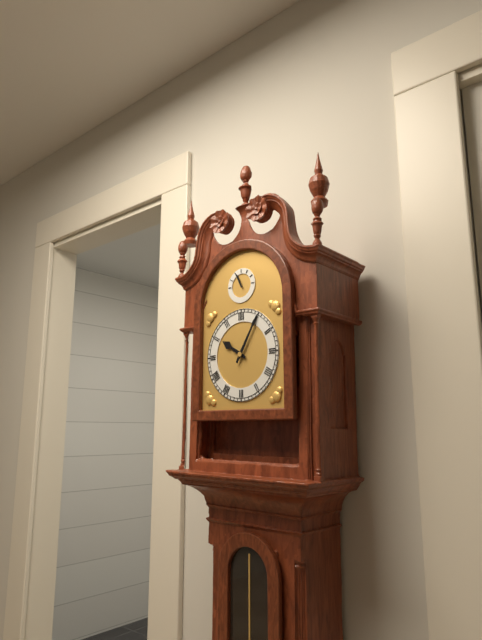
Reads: 10.05
